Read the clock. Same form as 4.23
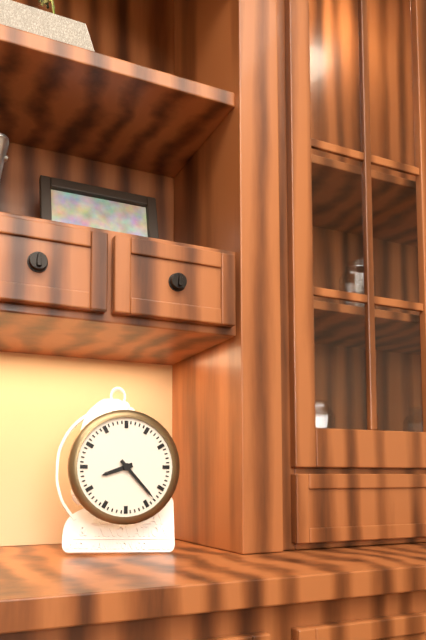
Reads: 8.23
